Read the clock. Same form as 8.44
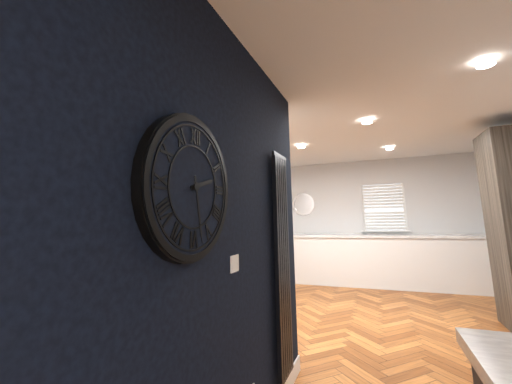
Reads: 2.28
